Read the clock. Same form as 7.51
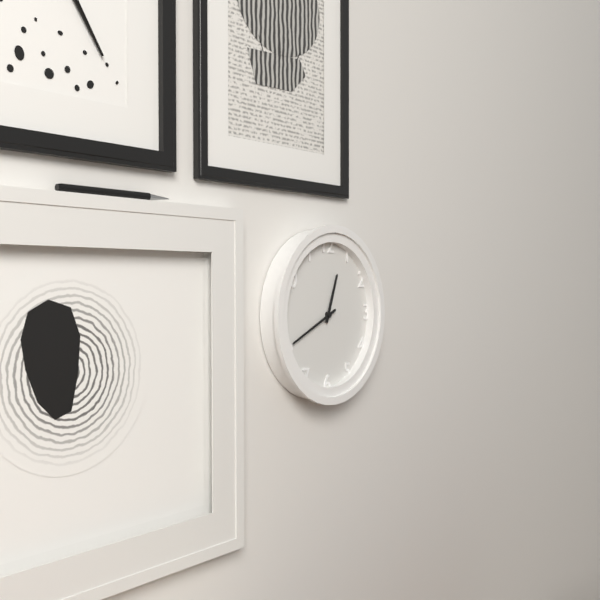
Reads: 12.41
